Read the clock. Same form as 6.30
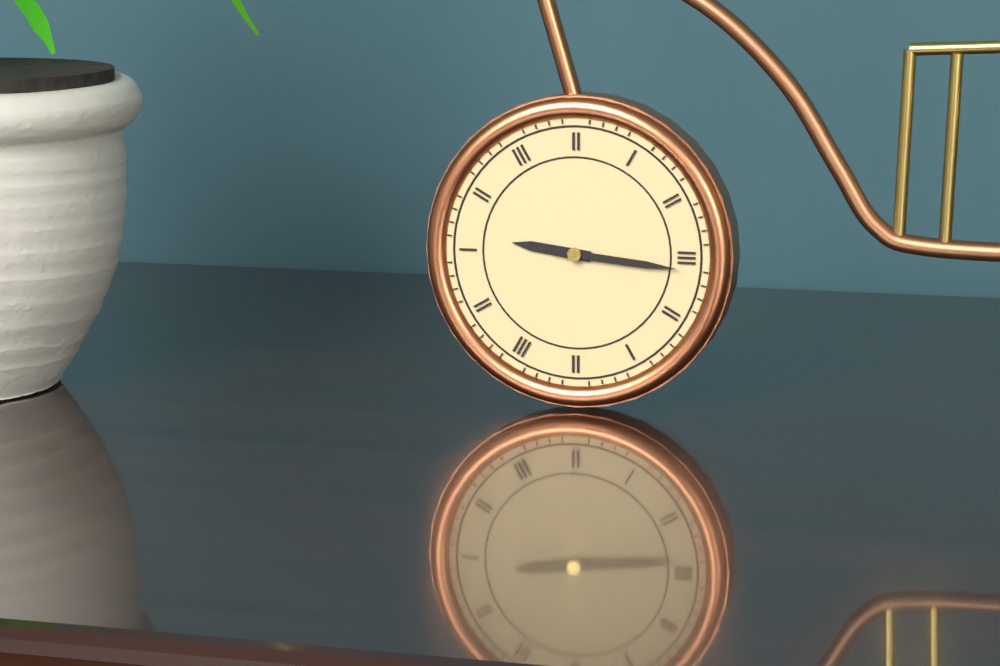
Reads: 9.16
